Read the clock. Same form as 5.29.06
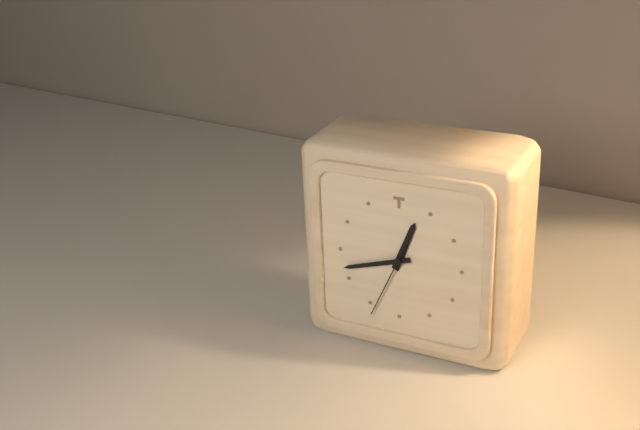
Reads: 12.42.34
